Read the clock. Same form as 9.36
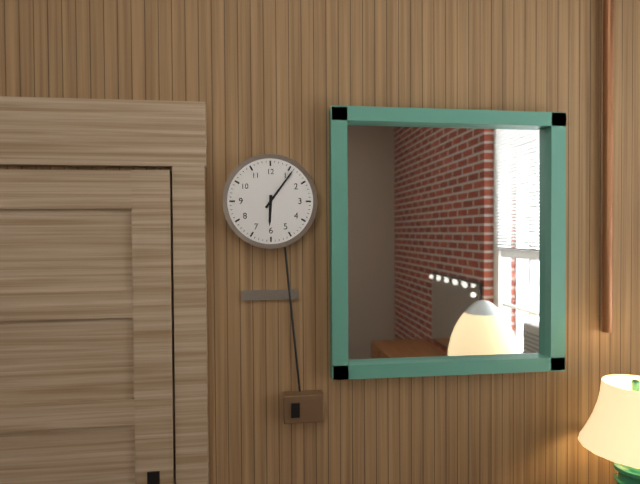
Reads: 6.06
